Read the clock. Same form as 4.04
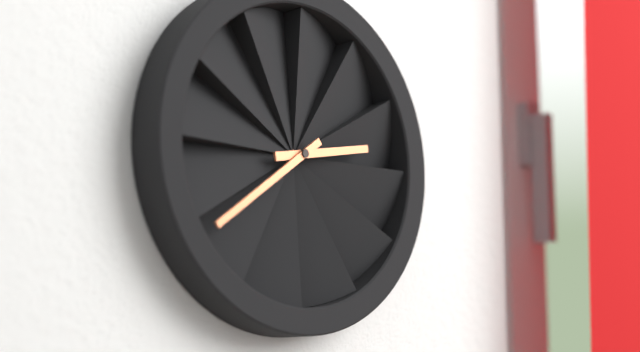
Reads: 2.39
